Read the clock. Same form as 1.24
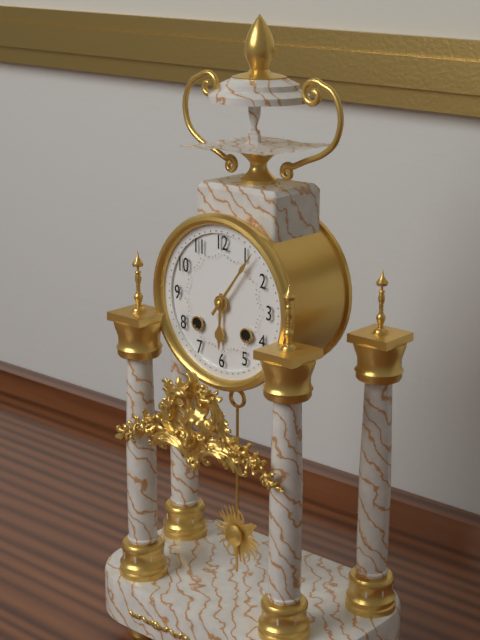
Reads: 6.06
